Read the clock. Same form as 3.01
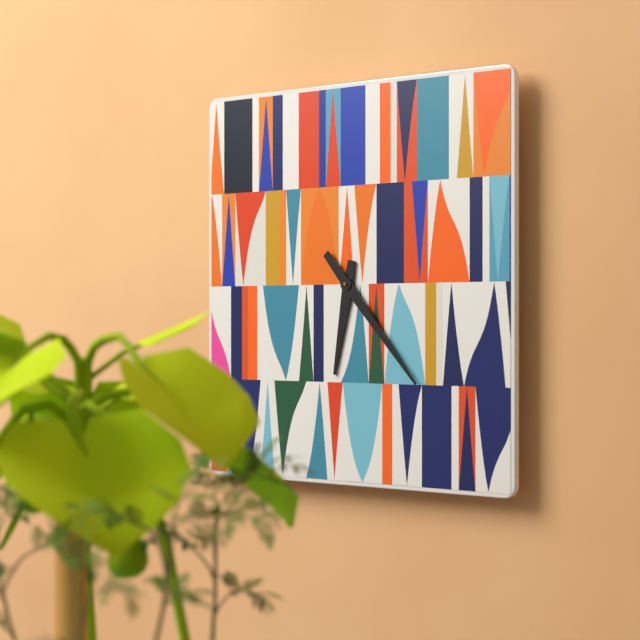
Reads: 6.23
